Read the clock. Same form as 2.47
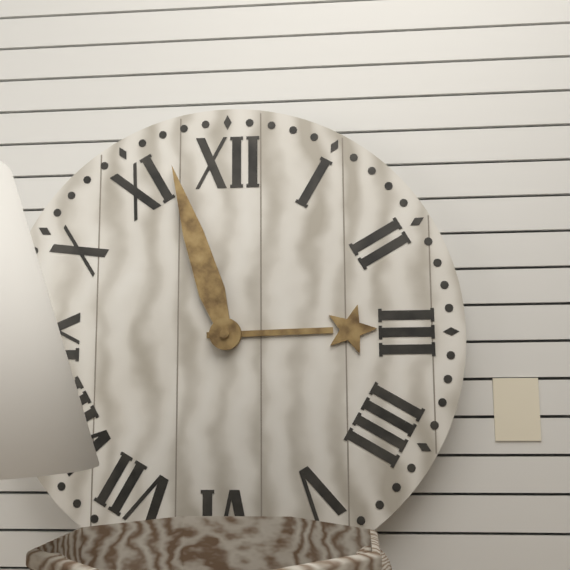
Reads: 2.57
